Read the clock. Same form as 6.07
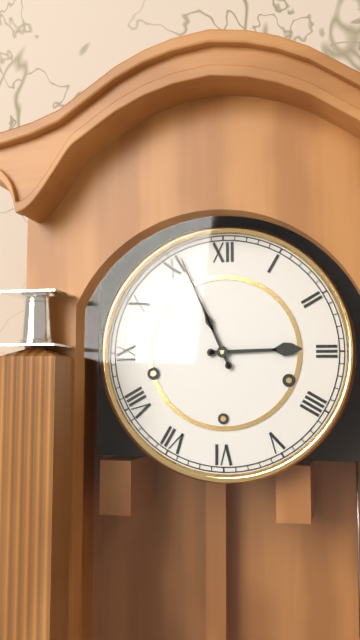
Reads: 2.56
